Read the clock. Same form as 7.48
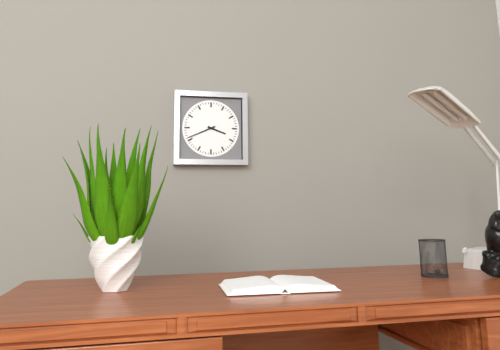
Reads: 3.41
